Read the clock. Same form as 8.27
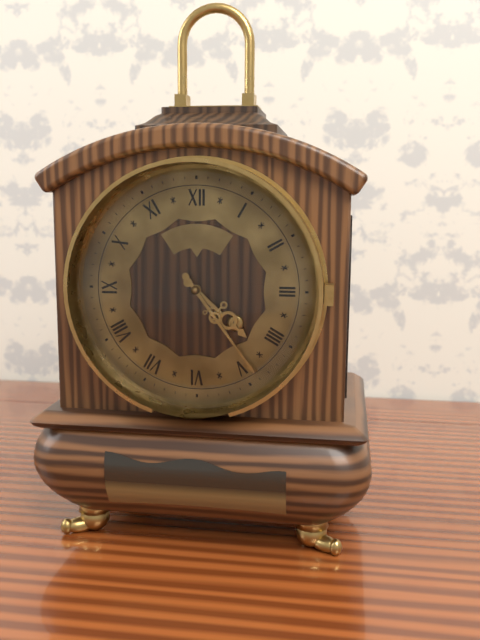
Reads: 4.24
